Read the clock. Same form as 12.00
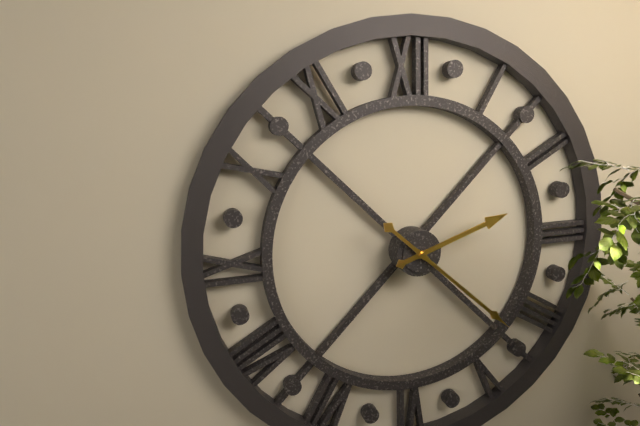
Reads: 2.22
